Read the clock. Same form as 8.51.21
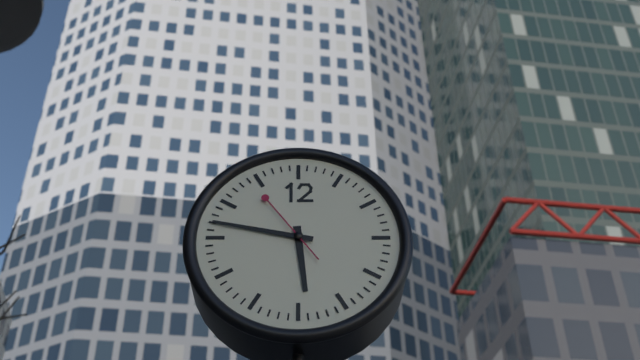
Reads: 5.47.54
